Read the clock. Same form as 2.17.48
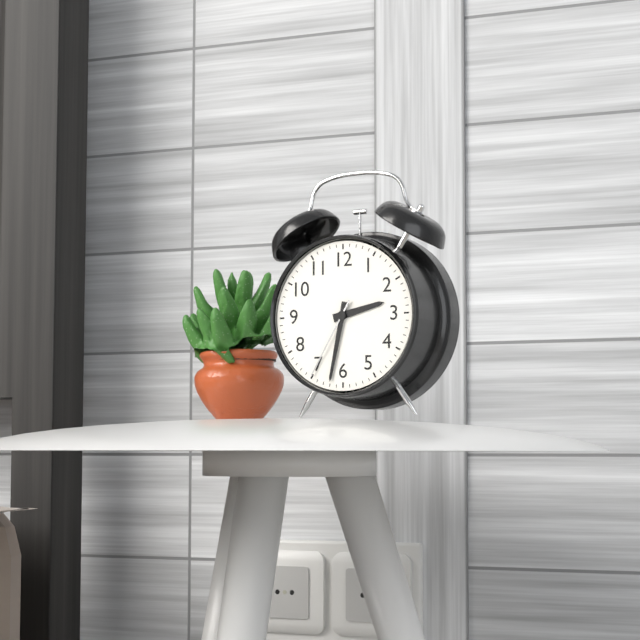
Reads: 2.32.35
